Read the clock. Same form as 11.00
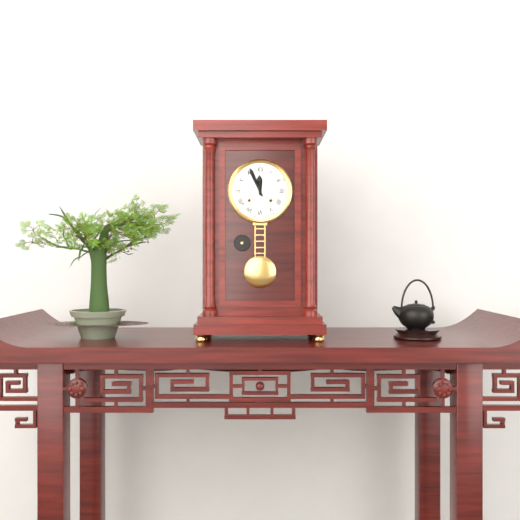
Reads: 11.56
